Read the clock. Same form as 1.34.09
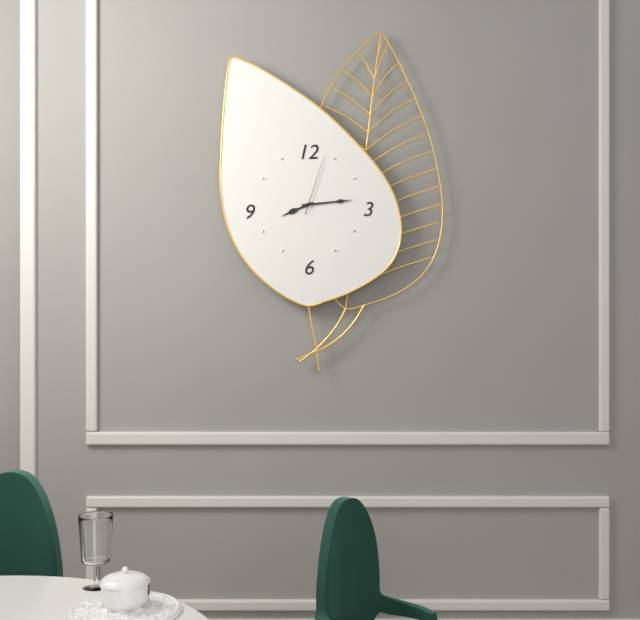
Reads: 8.14.03
